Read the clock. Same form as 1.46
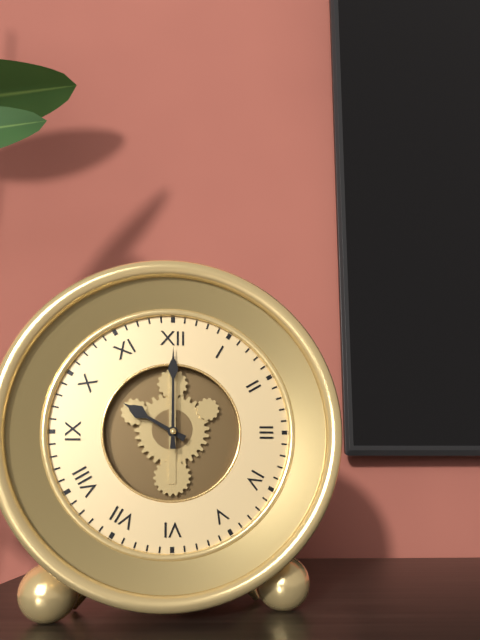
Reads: 10.00
